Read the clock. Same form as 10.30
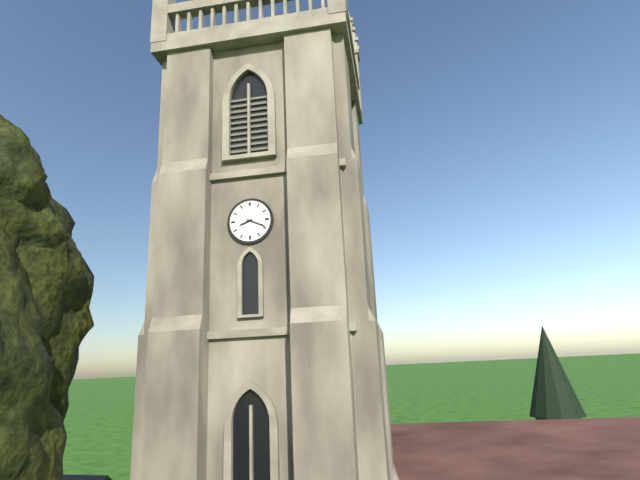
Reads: 8.19
